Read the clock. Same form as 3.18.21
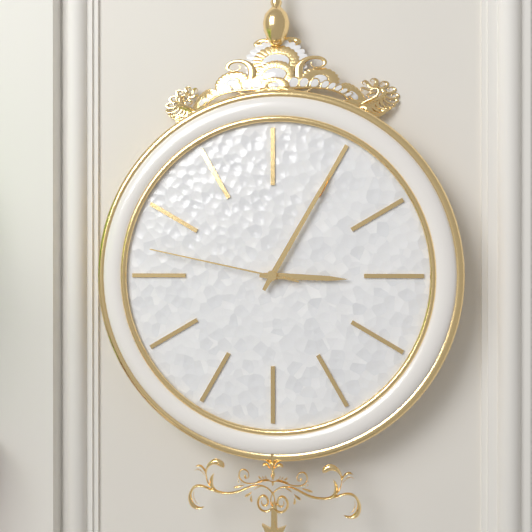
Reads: 3.05.47
